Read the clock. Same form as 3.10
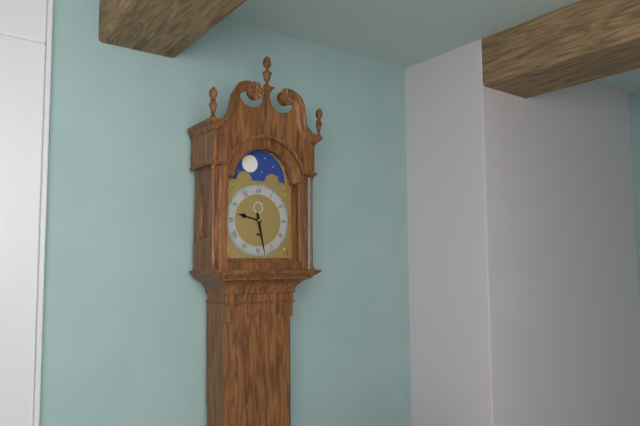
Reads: 9.28
